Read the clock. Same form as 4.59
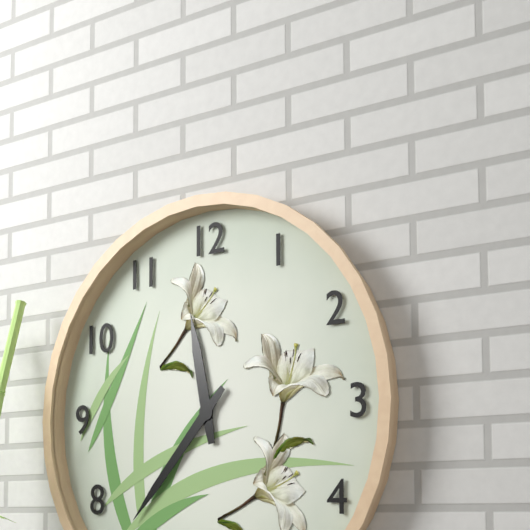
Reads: 11.37
